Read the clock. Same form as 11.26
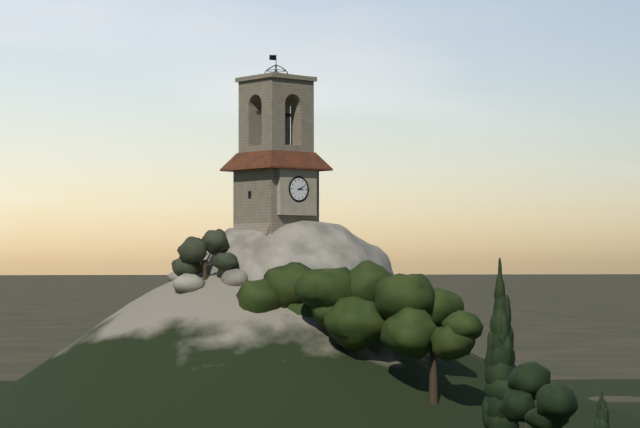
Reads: 3.11
